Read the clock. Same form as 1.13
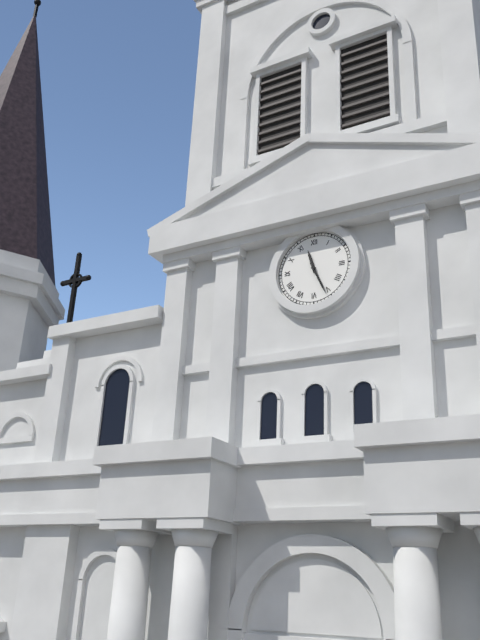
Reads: 11.26
